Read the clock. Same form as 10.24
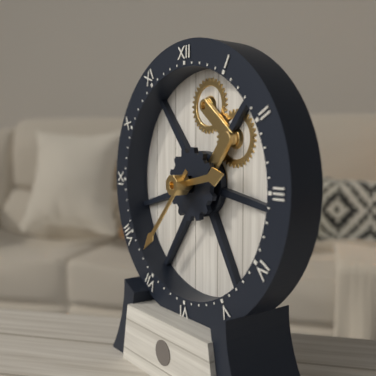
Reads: 2.37
